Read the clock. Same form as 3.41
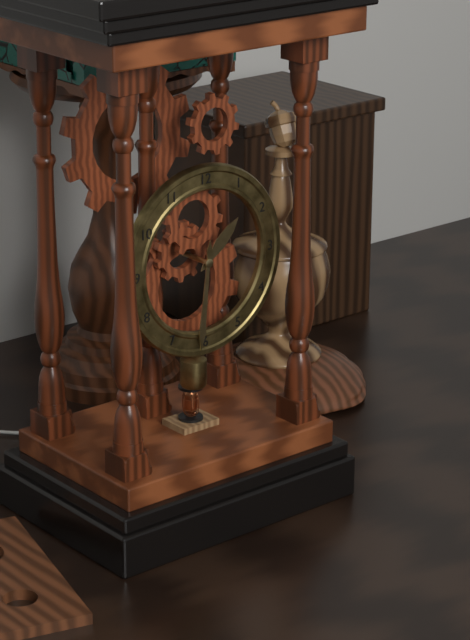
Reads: 1.31
